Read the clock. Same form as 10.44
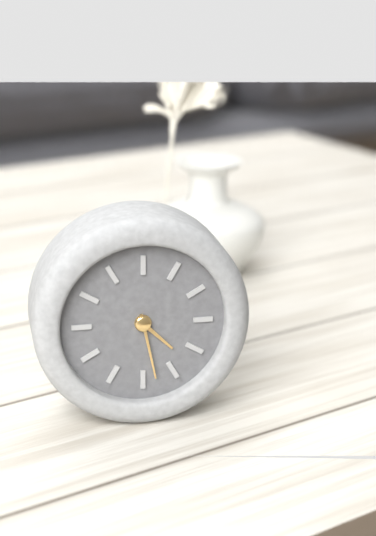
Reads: 4.28
